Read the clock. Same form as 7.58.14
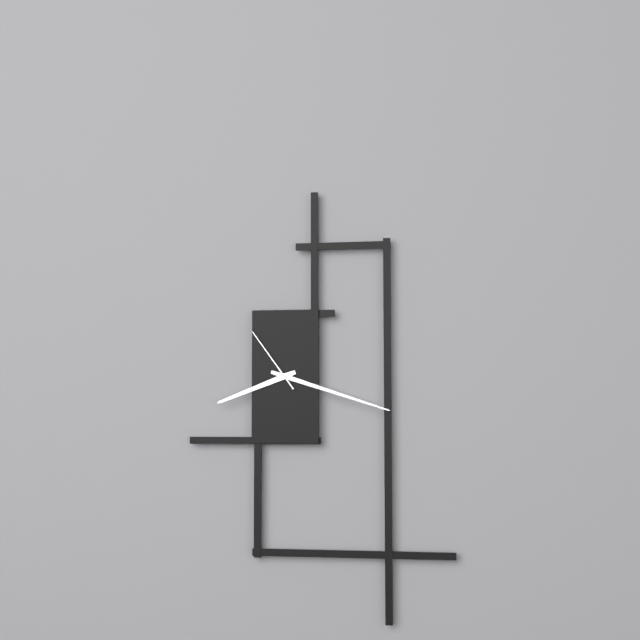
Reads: 8.18.54
